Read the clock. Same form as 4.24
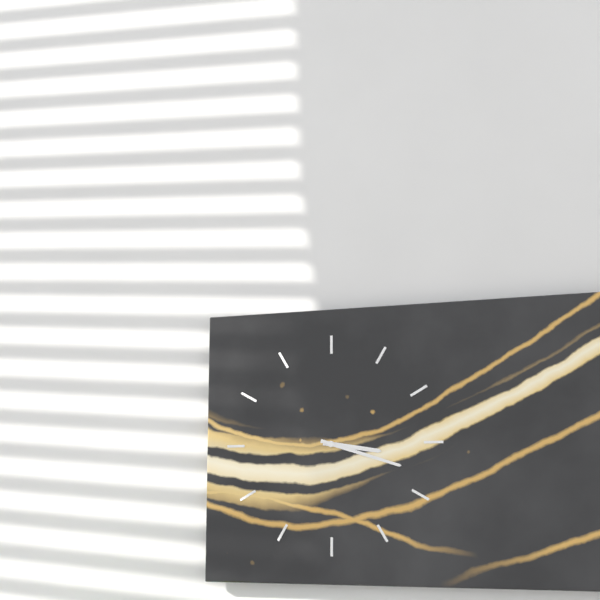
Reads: 3.18
